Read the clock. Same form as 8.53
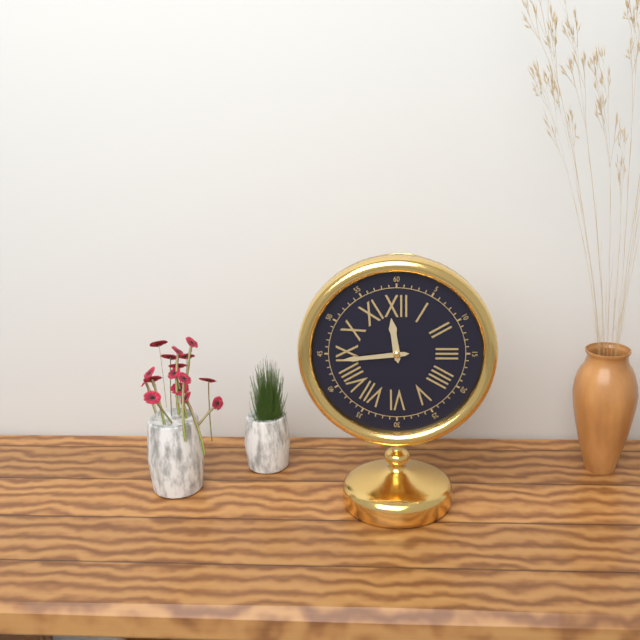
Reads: 11.44
